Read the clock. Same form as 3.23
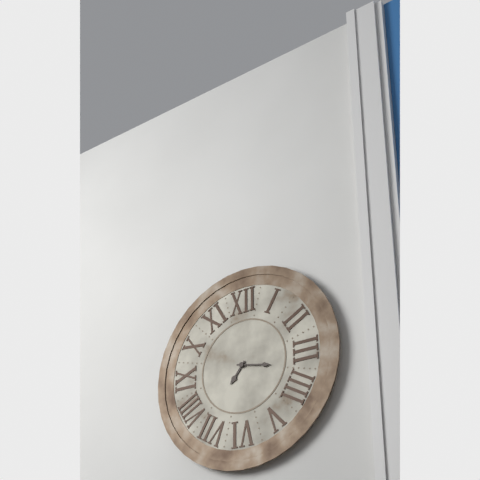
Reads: 7.17
